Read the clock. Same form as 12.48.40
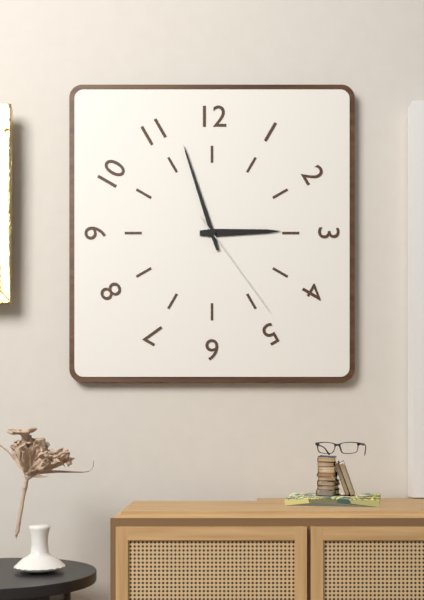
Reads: 2.57.24
